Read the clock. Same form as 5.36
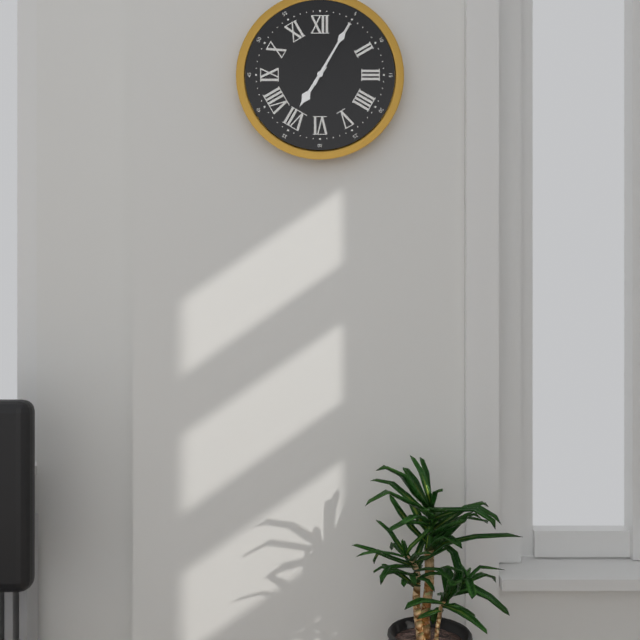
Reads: 7.05
